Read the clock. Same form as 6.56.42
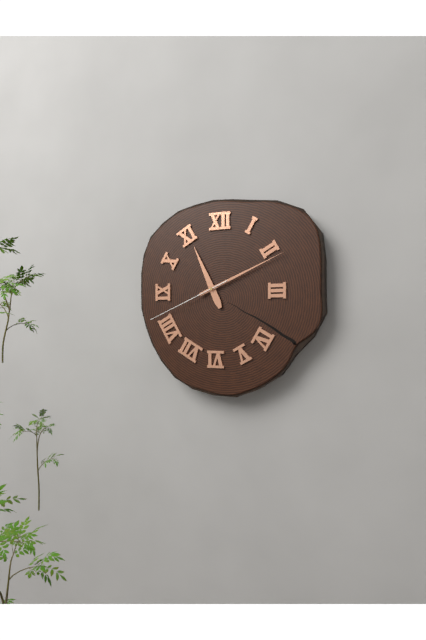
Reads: 11.11.41
